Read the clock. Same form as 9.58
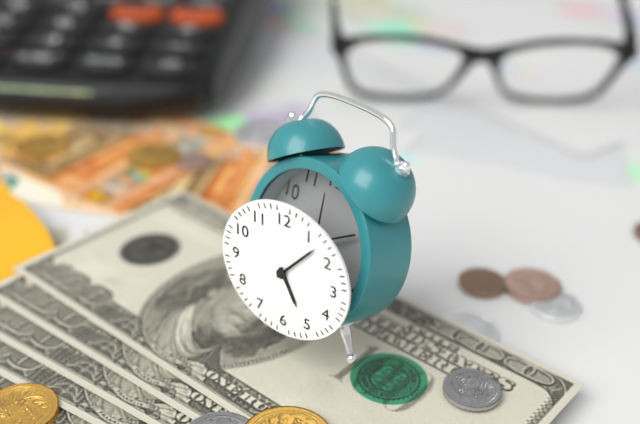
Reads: 5.07
